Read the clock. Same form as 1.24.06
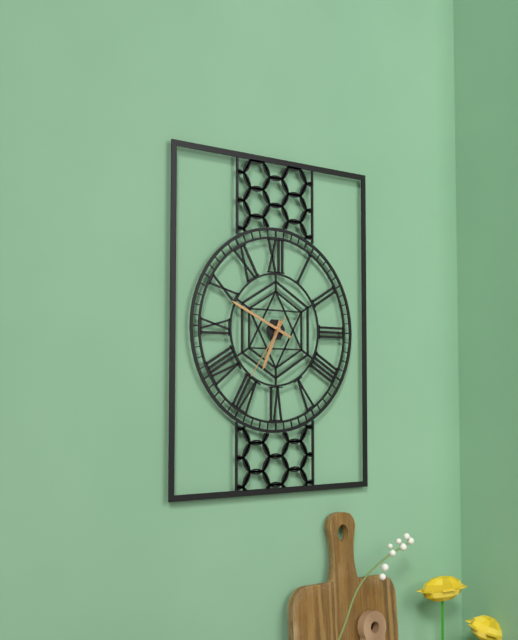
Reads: 6.49.36
